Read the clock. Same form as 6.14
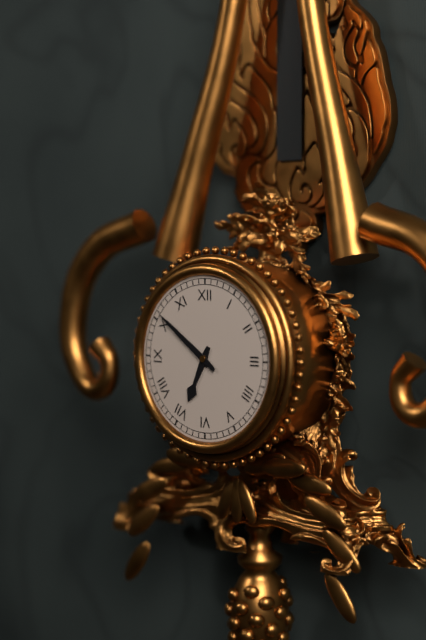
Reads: 6.51
